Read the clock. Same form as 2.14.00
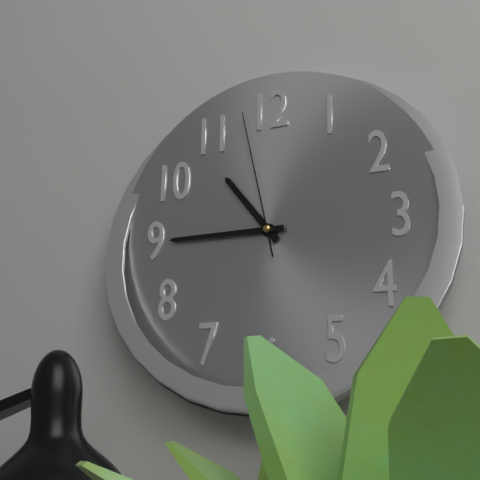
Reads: 10.45.58
